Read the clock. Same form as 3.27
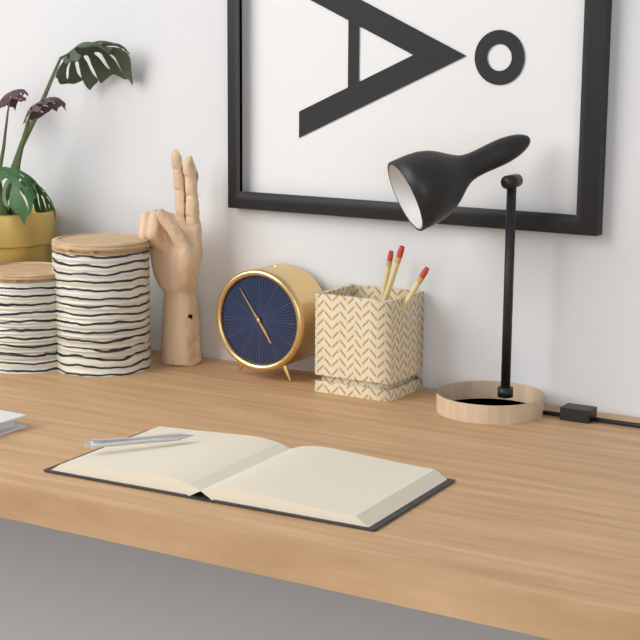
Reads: 4.54
